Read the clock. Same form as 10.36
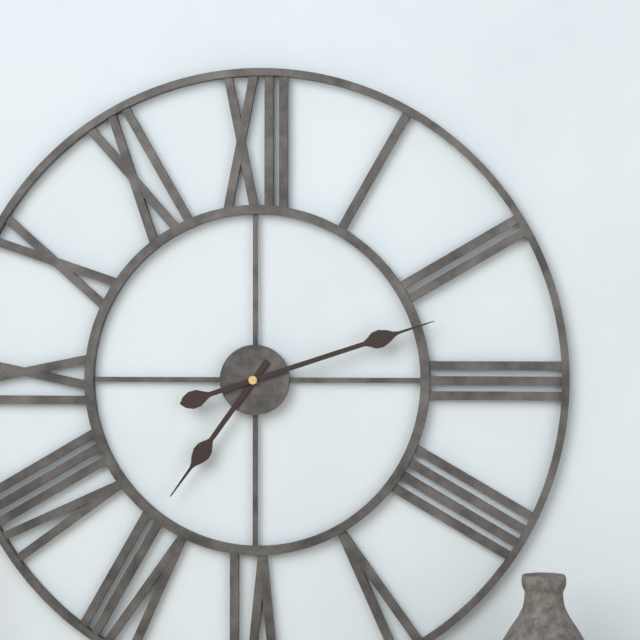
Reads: 7.12
